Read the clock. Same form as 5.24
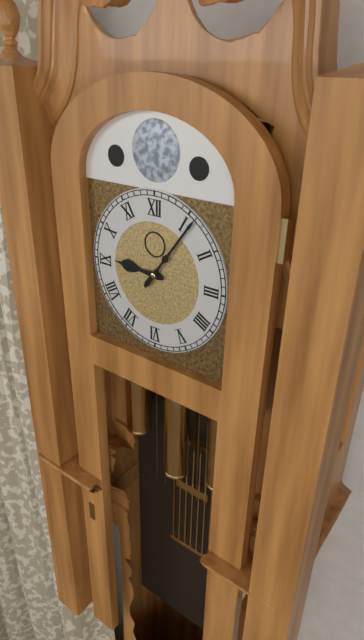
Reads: 9.06
